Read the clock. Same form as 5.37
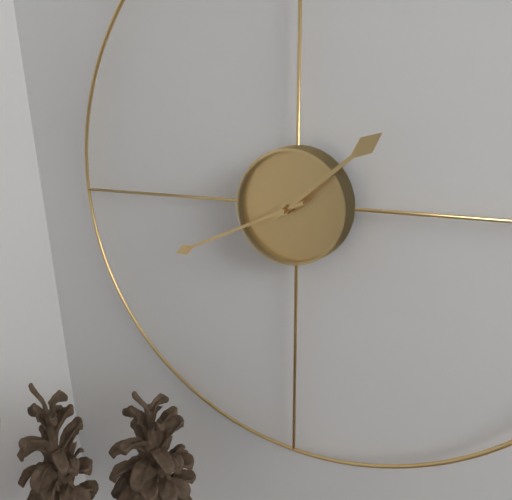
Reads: 1.41
